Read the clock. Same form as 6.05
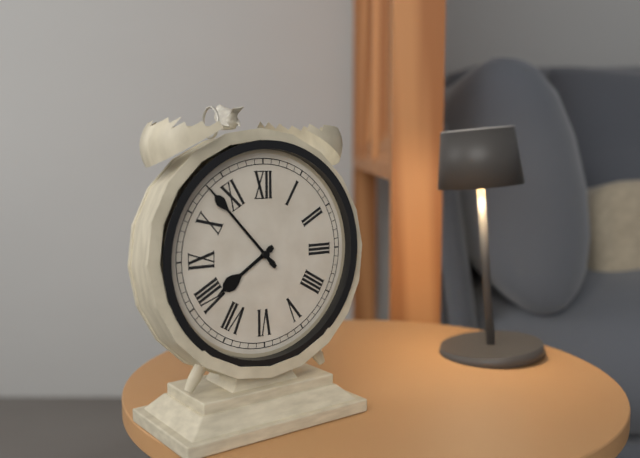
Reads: 7.53
